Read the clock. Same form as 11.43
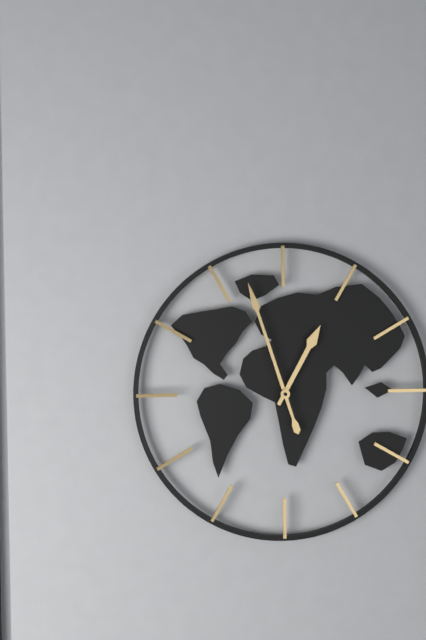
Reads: 12.57
